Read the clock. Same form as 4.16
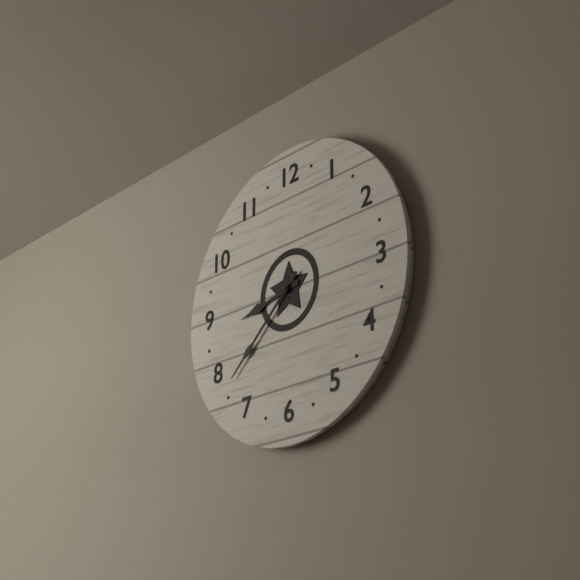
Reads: 8.38
